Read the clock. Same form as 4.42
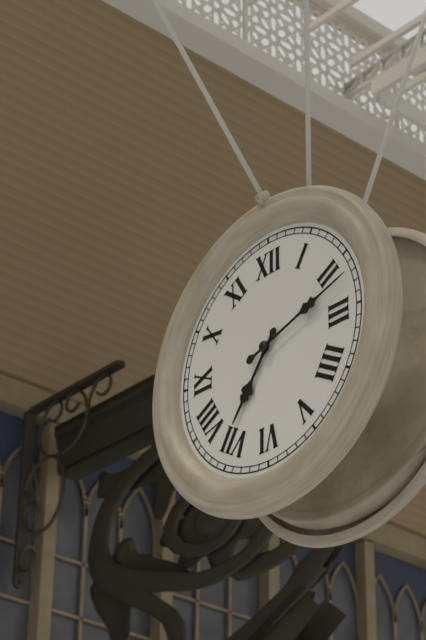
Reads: 7.12
